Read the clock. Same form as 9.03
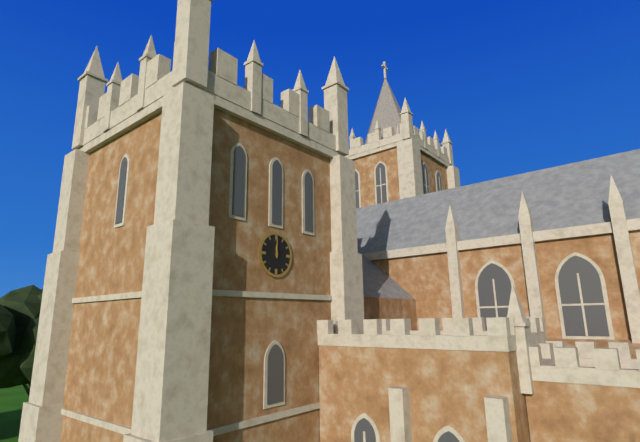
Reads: 12.00
